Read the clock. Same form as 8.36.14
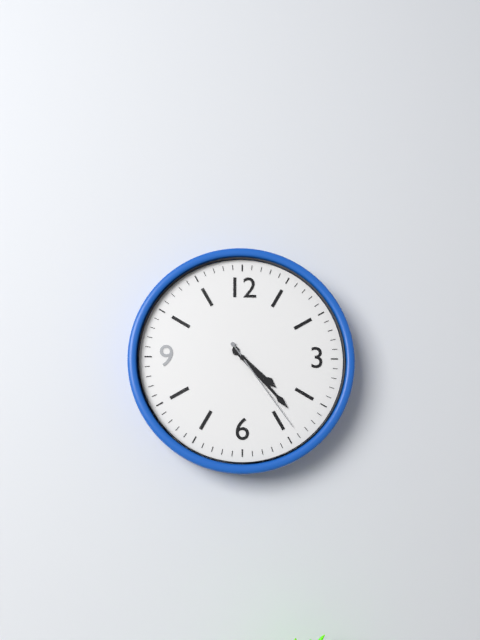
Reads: 4.23.24
